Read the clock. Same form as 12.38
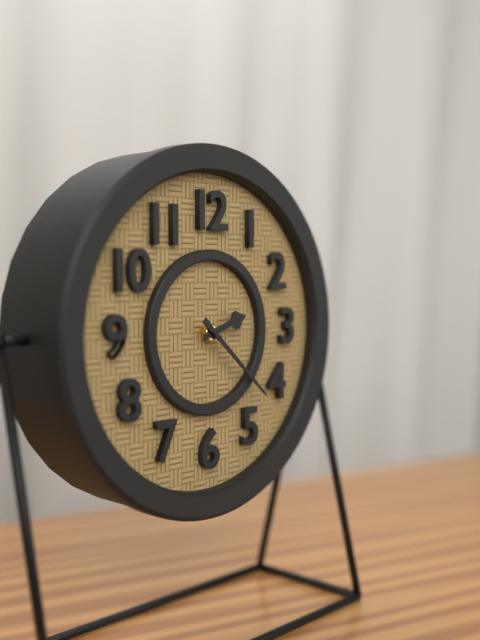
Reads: 2.22
